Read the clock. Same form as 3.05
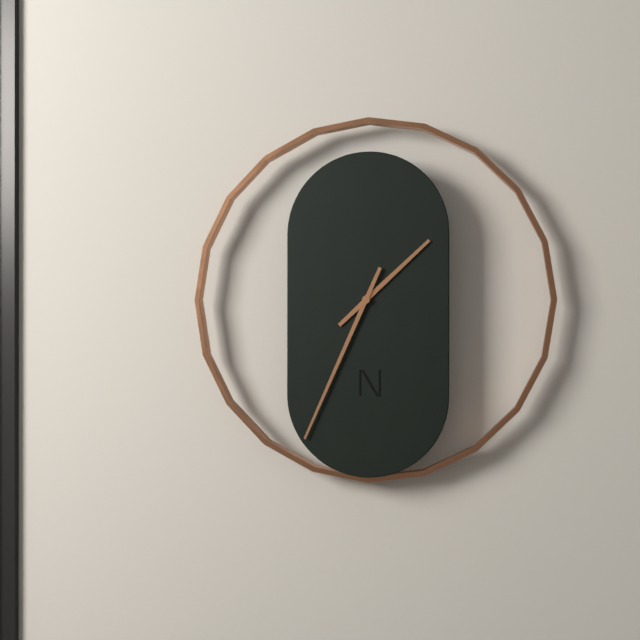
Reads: 1.34
